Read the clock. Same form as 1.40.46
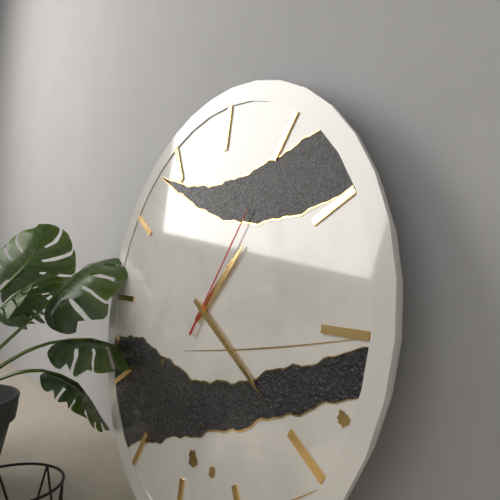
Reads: 1.20.05
